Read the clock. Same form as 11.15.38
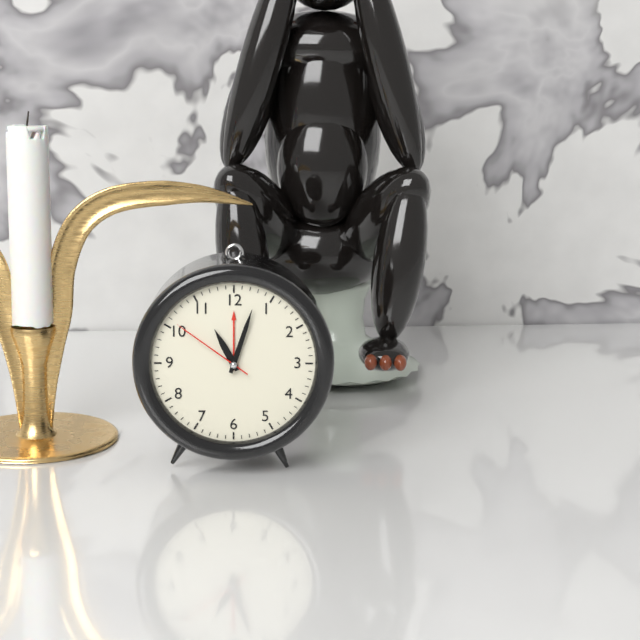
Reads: 11.03.51
